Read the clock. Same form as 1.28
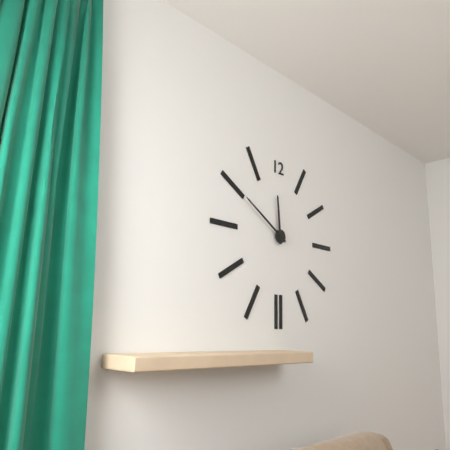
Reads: 11.50
